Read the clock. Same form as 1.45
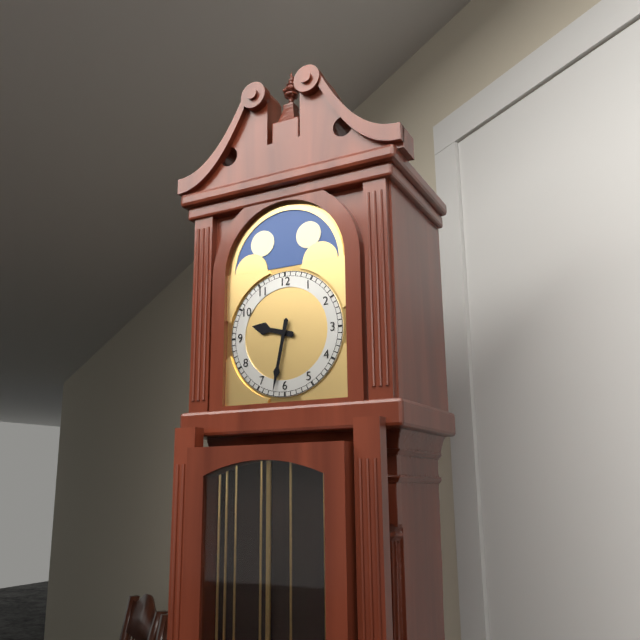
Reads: 9.32
